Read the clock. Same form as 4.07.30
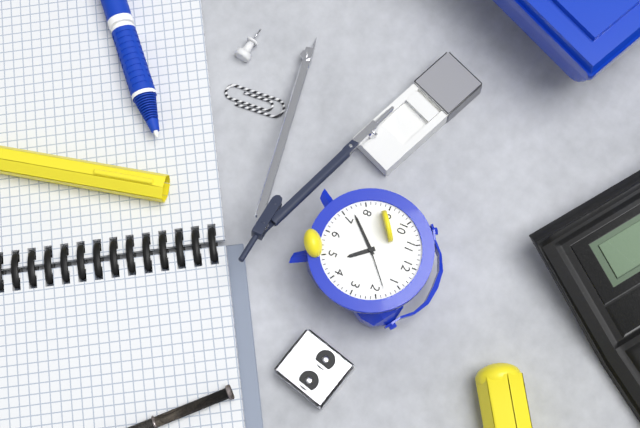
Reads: 4.37.08
